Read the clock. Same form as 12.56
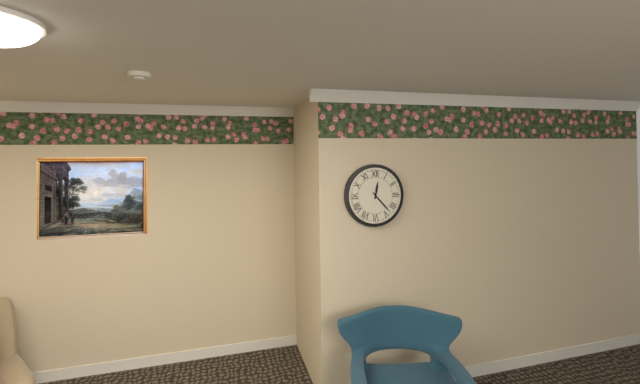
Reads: 12.23
